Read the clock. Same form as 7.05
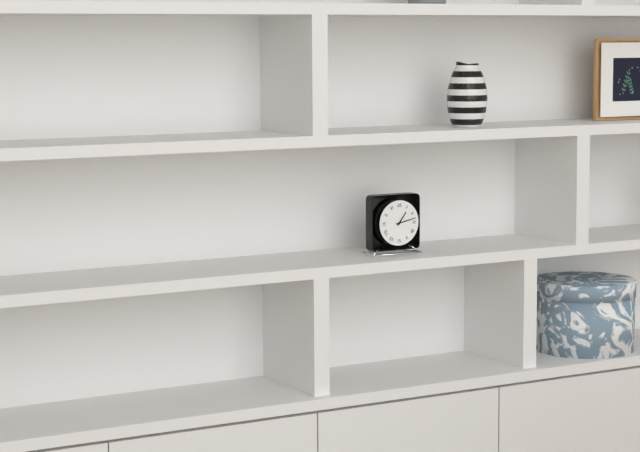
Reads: 1.13
